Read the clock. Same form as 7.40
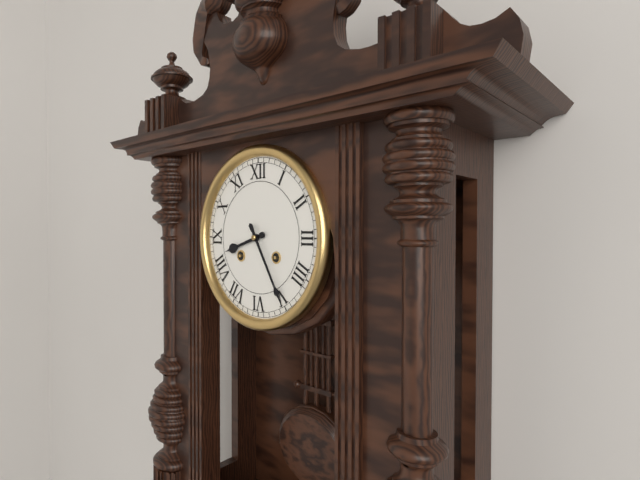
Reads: 8.25
